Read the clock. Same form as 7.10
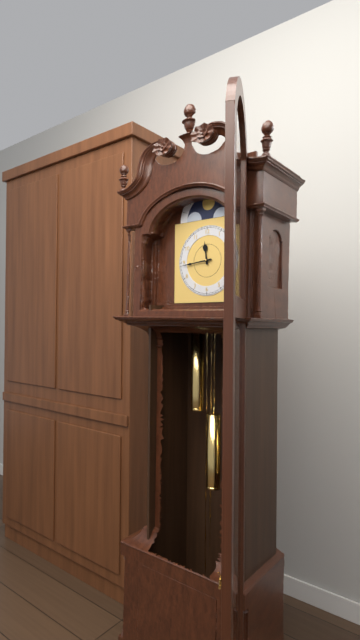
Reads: 11.44
